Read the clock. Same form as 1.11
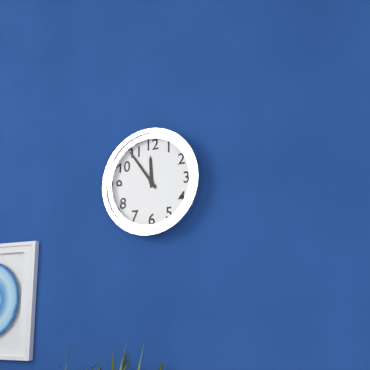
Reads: 11.54
